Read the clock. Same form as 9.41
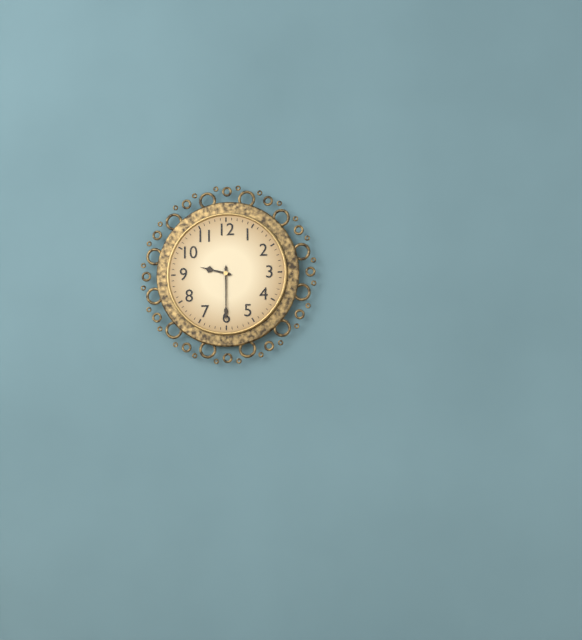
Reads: 9.30
